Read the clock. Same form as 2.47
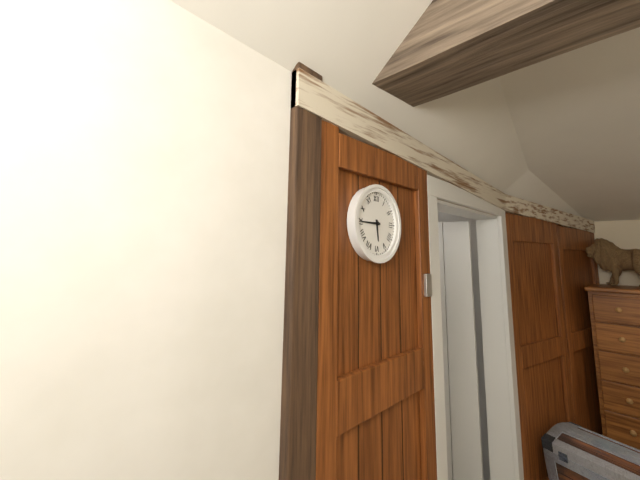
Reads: 5.45
